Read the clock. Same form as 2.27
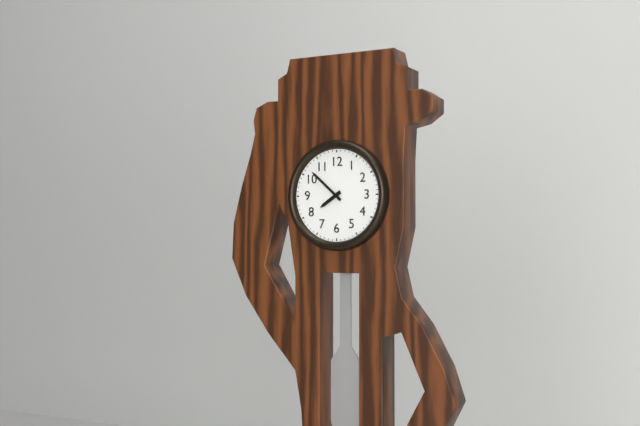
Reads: 7.52
